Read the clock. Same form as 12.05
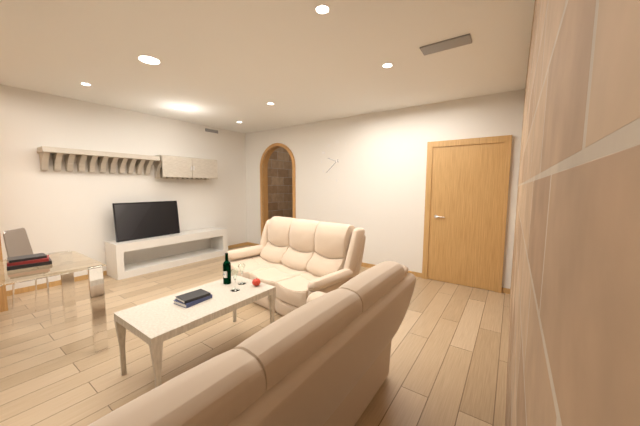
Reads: 9.38
